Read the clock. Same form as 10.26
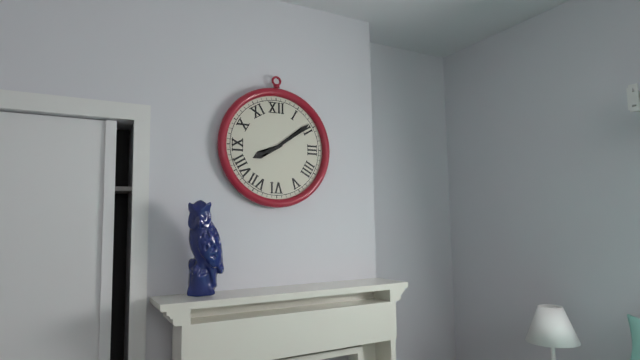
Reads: 8.09
